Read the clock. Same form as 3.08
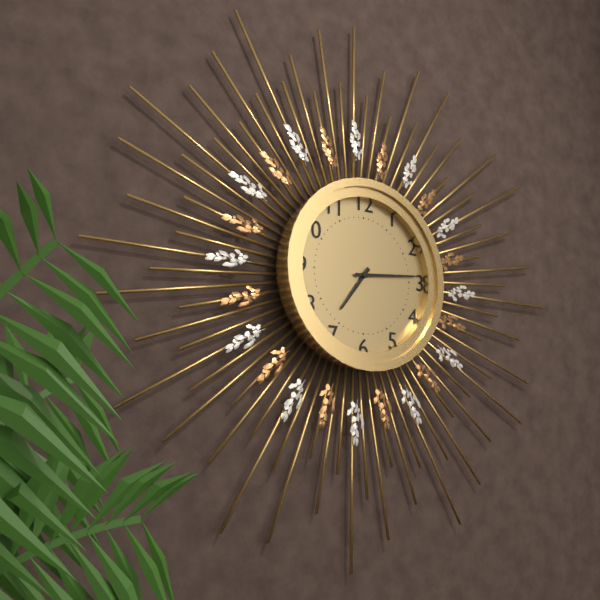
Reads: 7.14
